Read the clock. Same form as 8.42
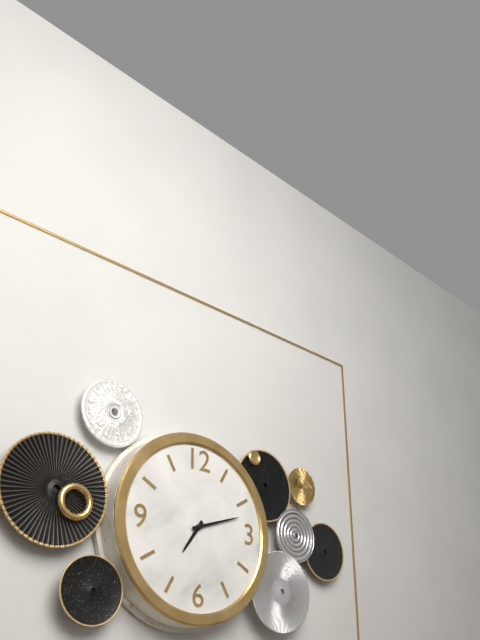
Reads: 7.12
